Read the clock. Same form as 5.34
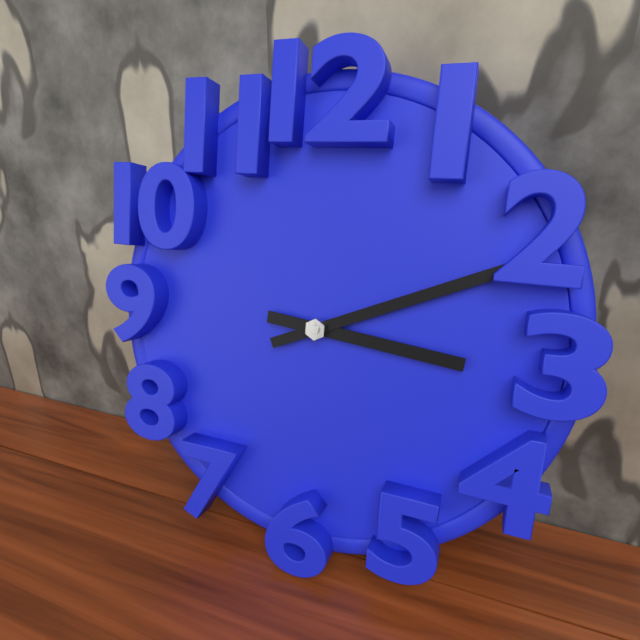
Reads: 3.11
